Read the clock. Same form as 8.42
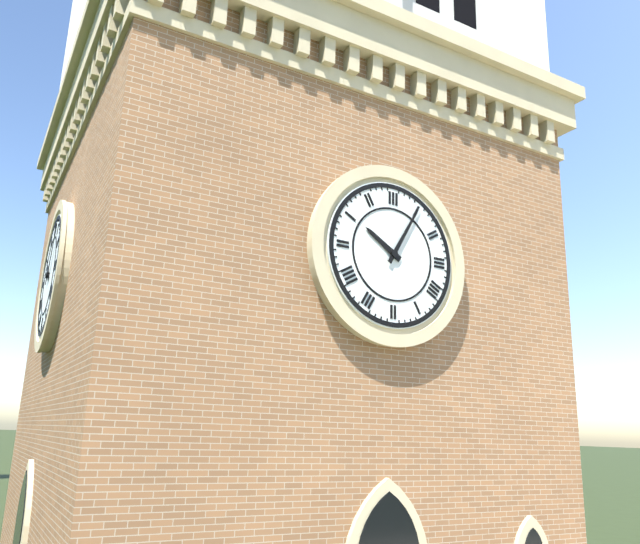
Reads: 10.05
